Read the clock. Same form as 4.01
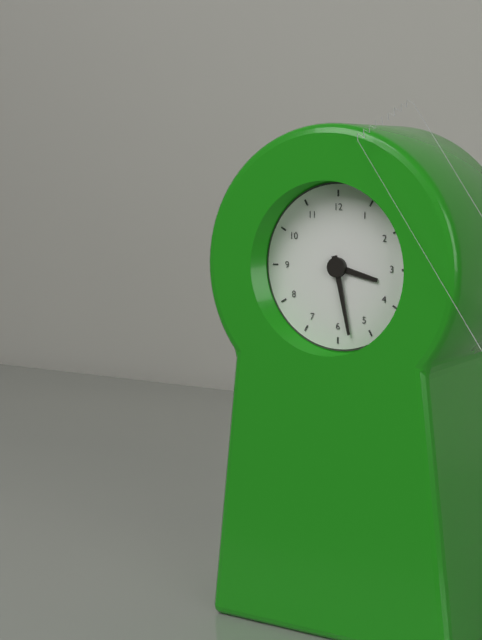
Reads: 3.28
